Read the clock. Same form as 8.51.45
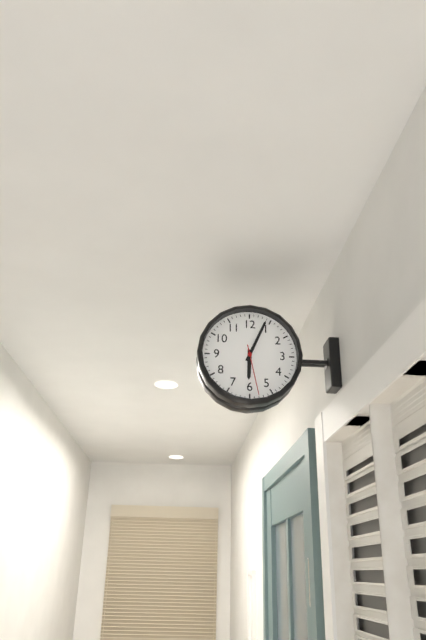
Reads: 6.04.28
